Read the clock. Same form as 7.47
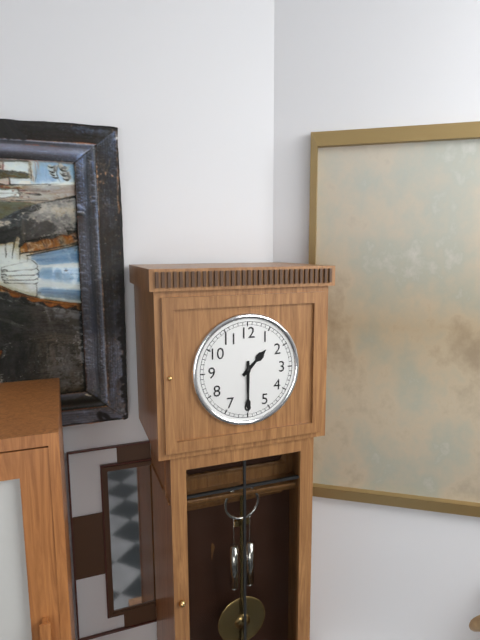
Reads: 1.30
